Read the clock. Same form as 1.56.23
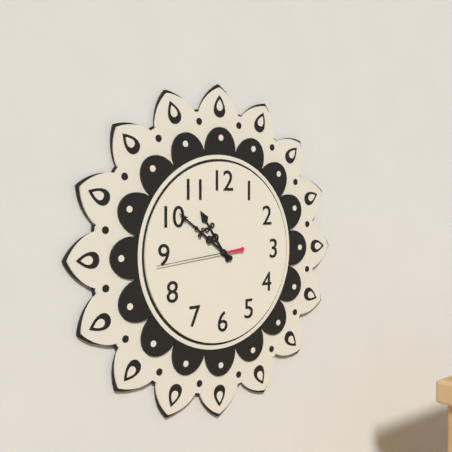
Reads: 10.51.44
